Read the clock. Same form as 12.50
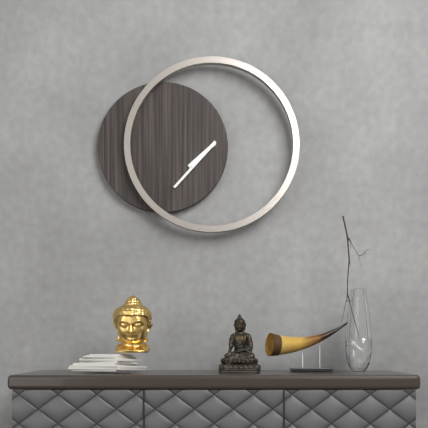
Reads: 7.37
